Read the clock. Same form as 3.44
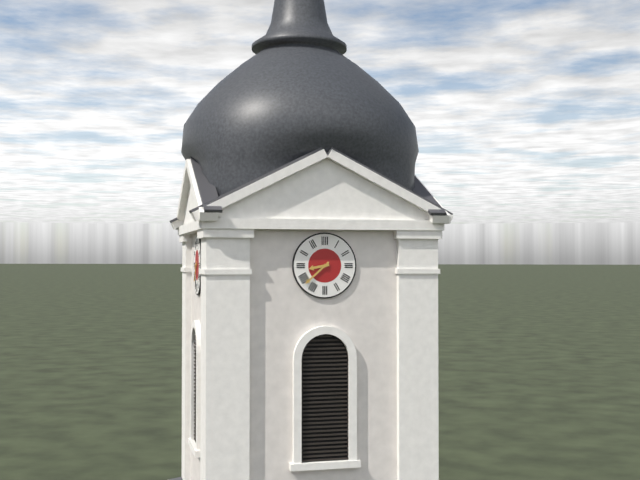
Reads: 8.38
